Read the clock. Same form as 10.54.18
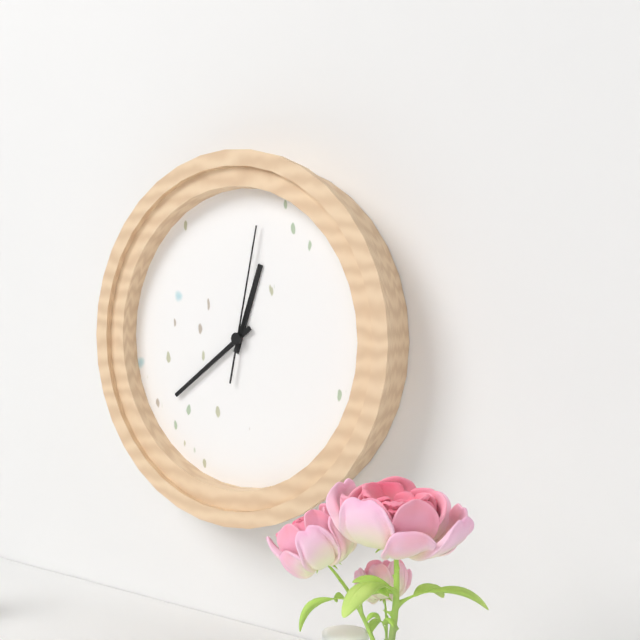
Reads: 12.39.02
